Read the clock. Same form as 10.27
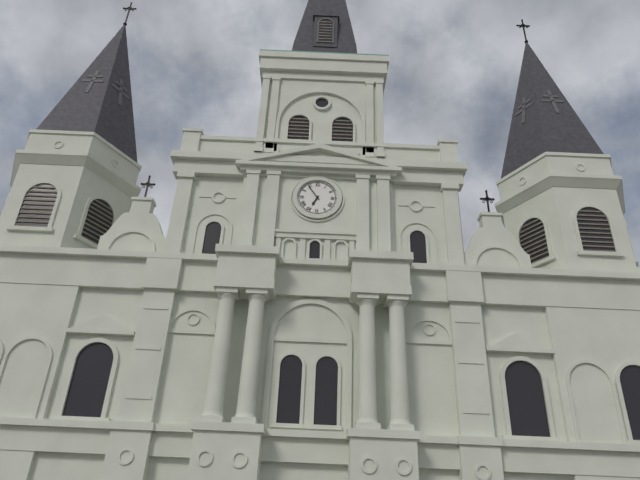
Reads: 6.54
